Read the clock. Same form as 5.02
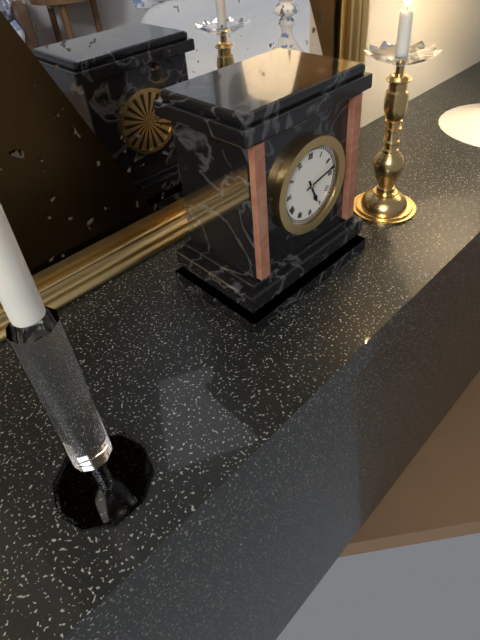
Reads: 5.13
